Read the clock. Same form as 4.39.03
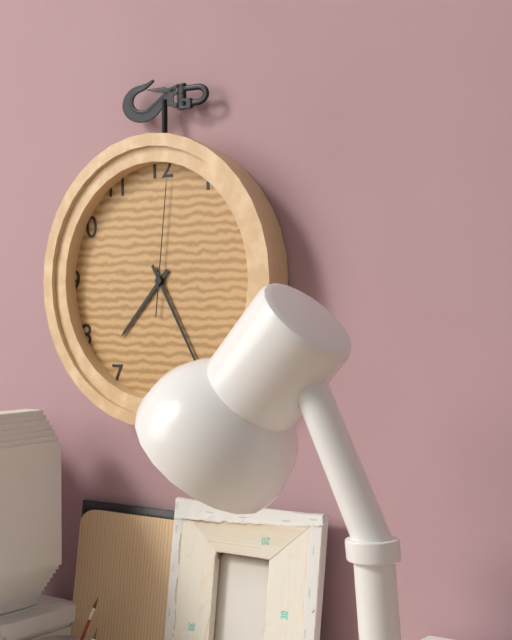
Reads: 7.25.01
